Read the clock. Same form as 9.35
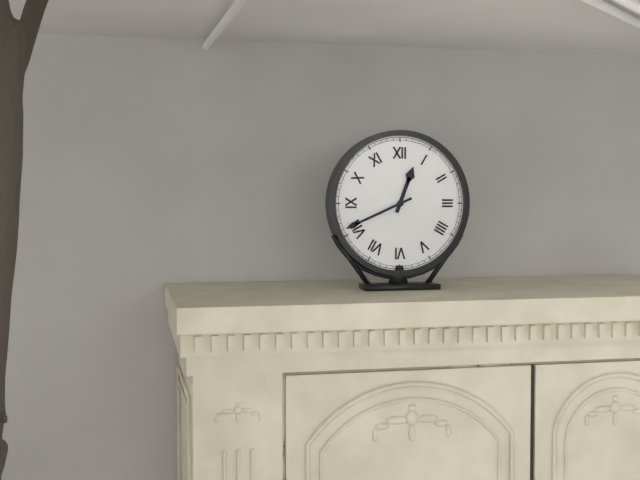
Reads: 12.41
